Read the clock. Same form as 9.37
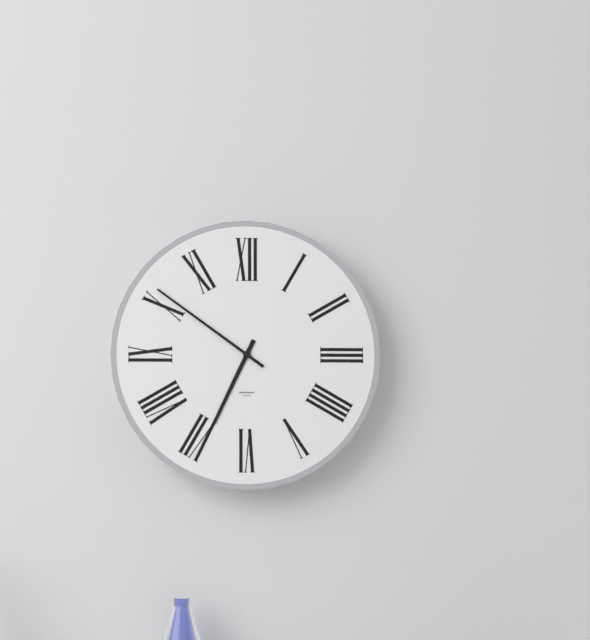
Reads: 6.51
